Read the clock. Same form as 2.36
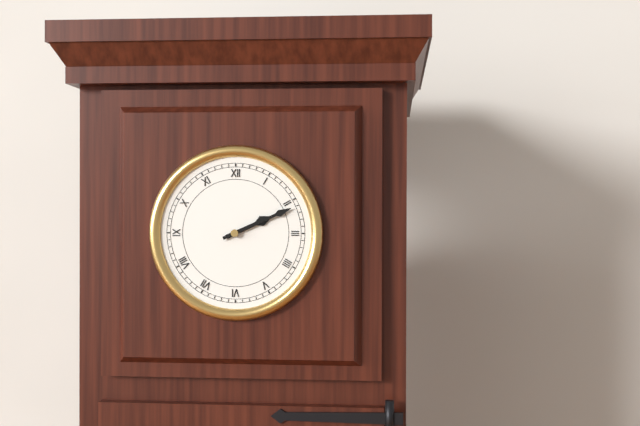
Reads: 2.11
